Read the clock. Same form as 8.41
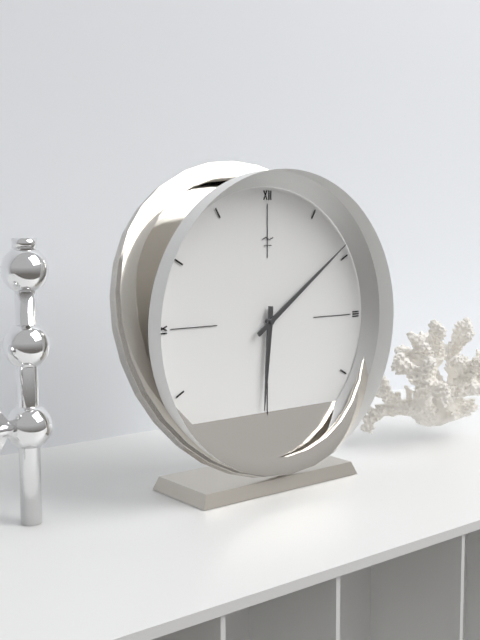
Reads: 6.09
